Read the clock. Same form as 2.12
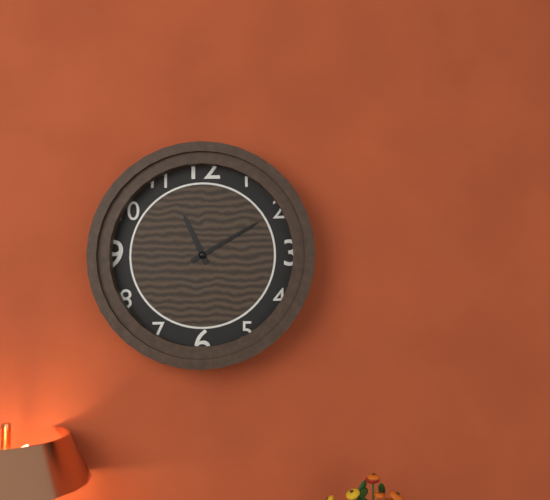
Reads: 11.10
